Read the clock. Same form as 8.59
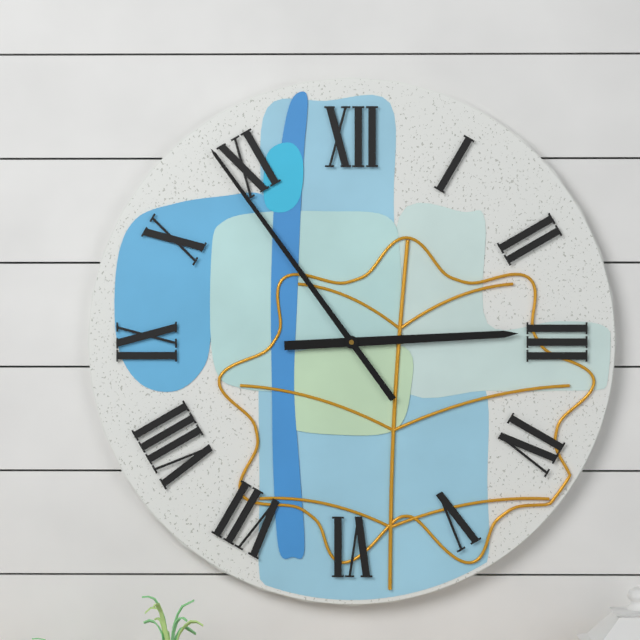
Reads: 2.54
